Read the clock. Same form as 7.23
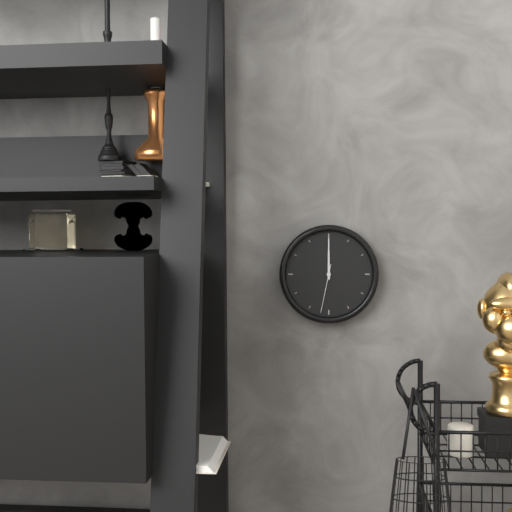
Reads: 12.00
